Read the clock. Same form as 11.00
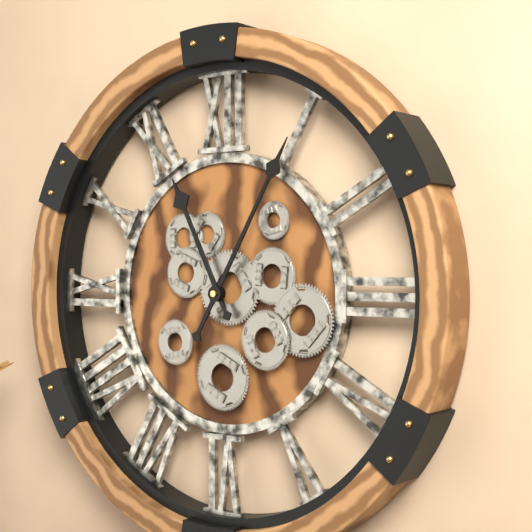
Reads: 11.05
